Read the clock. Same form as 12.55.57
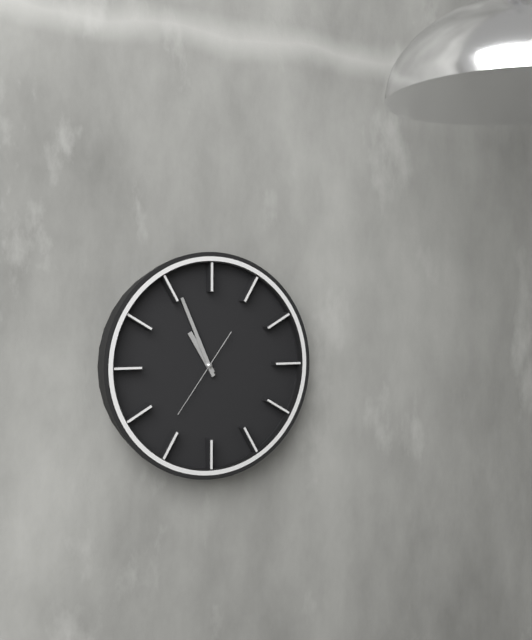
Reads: 10.56.36
